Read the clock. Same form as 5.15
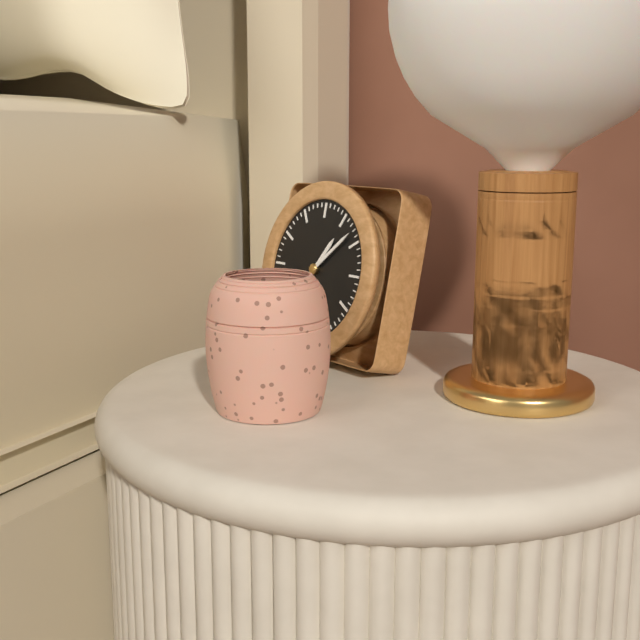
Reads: 1.08
